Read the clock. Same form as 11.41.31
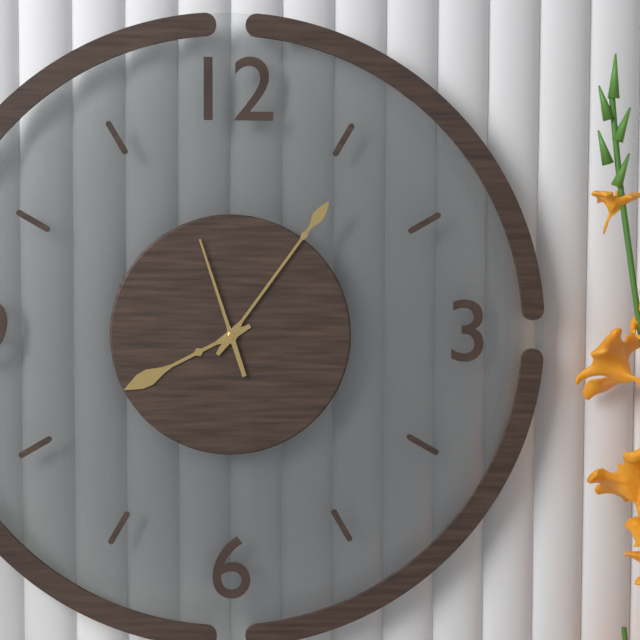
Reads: 8.06.57
